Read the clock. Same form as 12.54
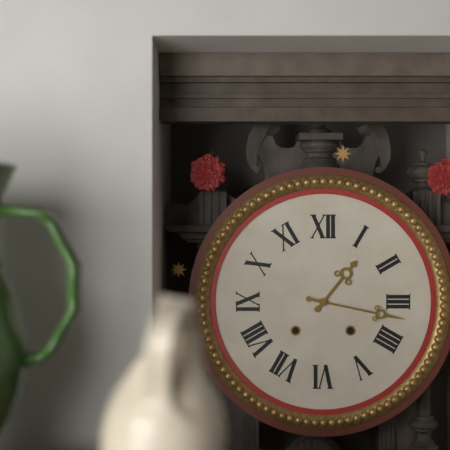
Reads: 1.17
